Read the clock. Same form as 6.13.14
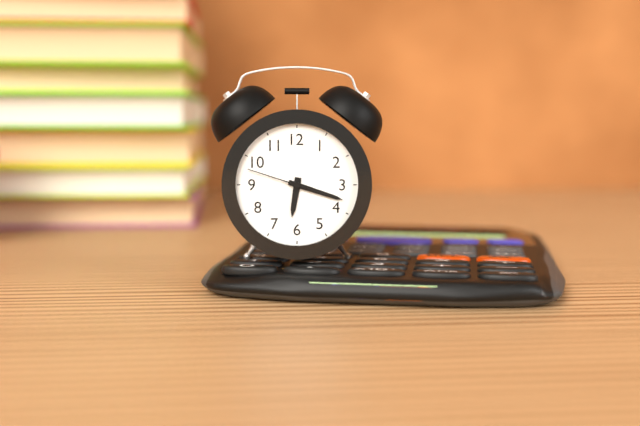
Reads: 6.18.48
